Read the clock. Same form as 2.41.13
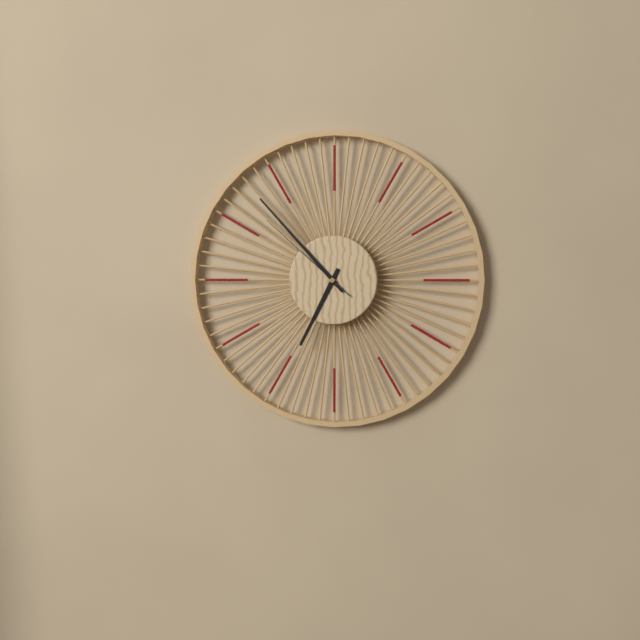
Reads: 6.53.52
